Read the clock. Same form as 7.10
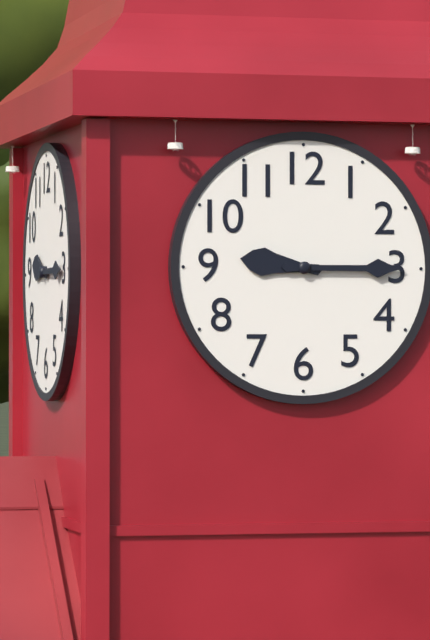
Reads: 9.15
